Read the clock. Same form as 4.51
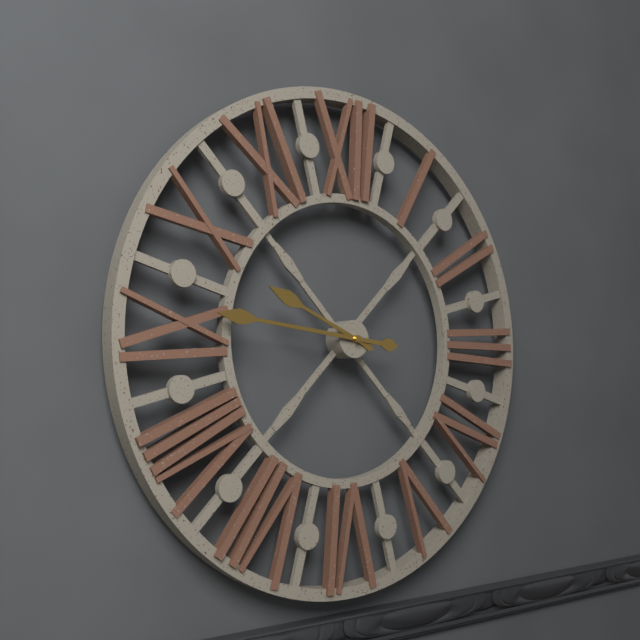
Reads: 9.46
